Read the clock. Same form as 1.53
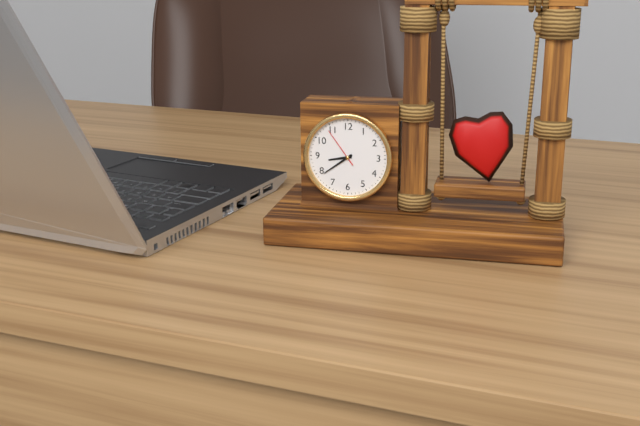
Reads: 8.39
